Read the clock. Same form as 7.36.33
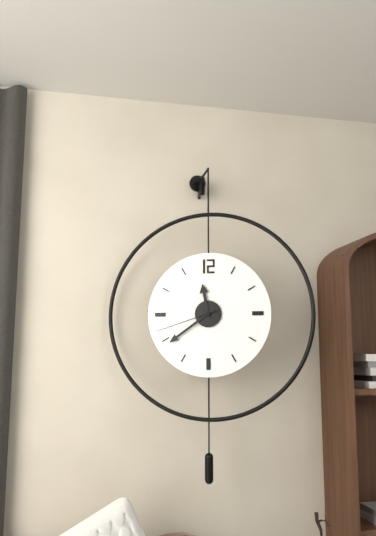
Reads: 11.39.42
